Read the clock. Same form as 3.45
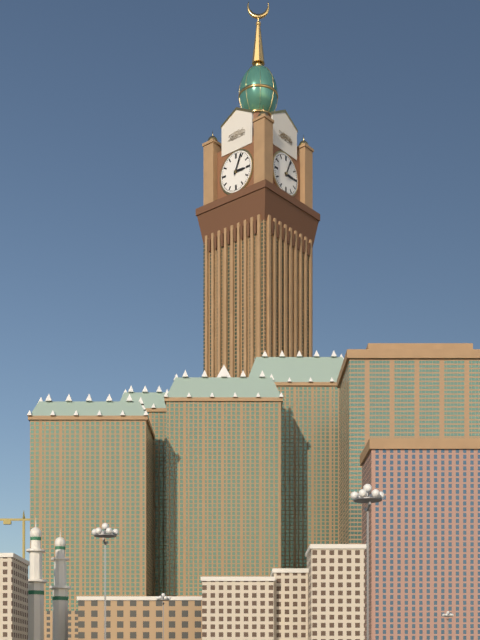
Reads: 3.04
